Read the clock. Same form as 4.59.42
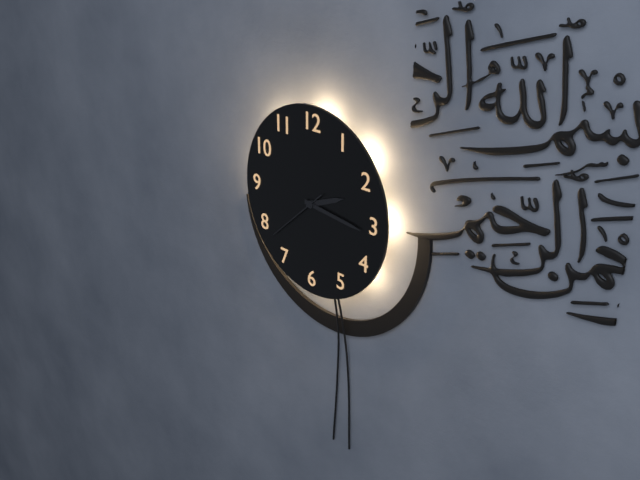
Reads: 2.16.38
